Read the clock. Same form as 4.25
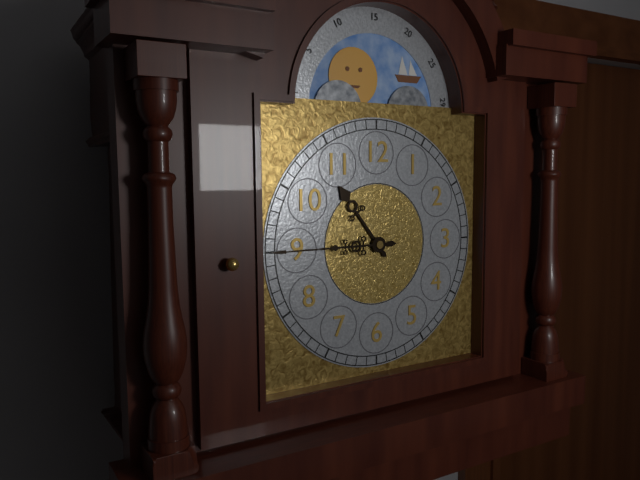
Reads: 10.45
